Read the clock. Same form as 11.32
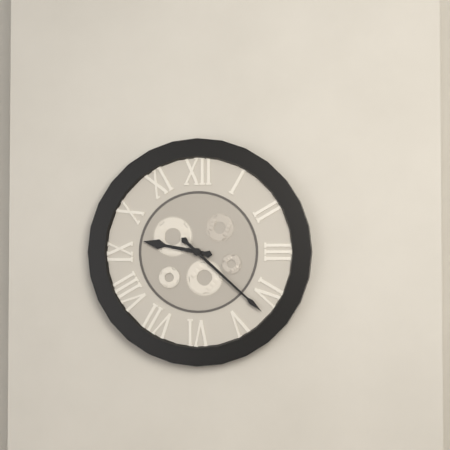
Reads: 9.22
